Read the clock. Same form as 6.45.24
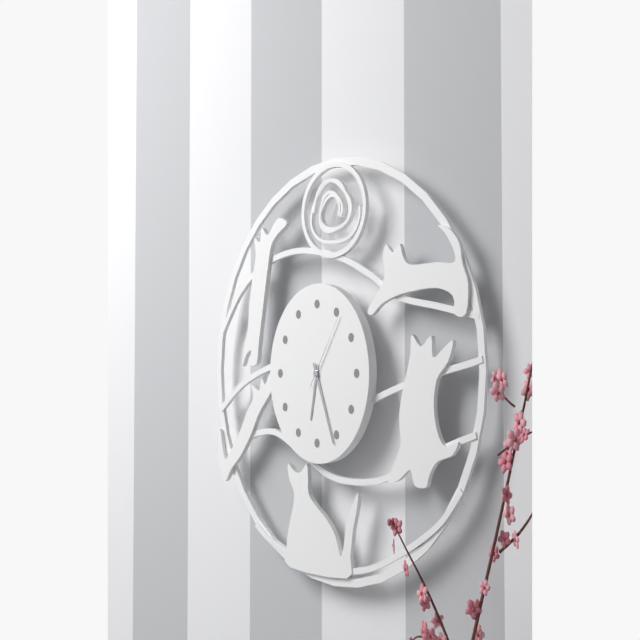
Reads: 6.26.06
